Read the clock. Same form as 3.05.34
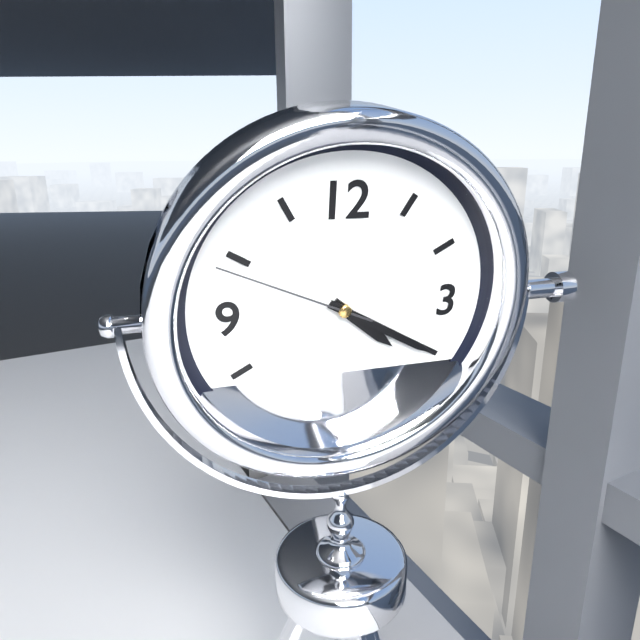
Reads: 4.20.49
